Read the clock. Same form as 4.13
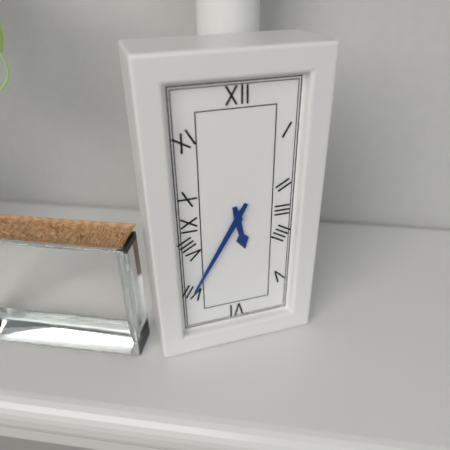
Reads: 5.35
